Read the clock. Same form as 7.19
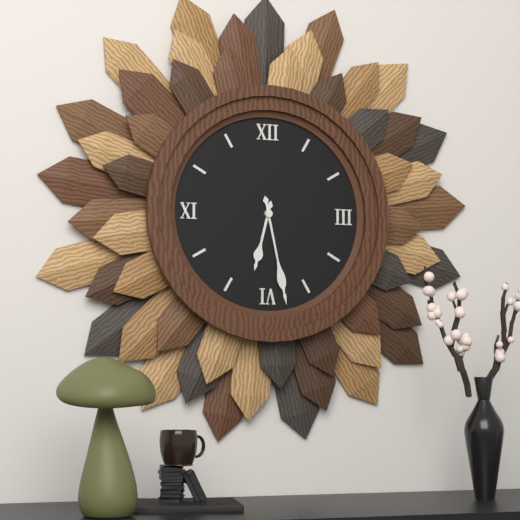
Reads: 6.28
